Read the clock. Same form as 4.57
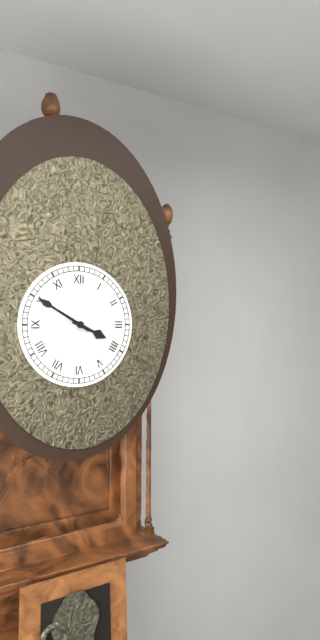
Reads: 3.50
